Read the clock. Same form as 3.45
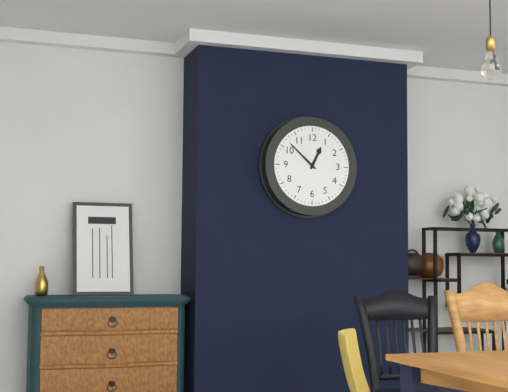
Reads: 12.52
